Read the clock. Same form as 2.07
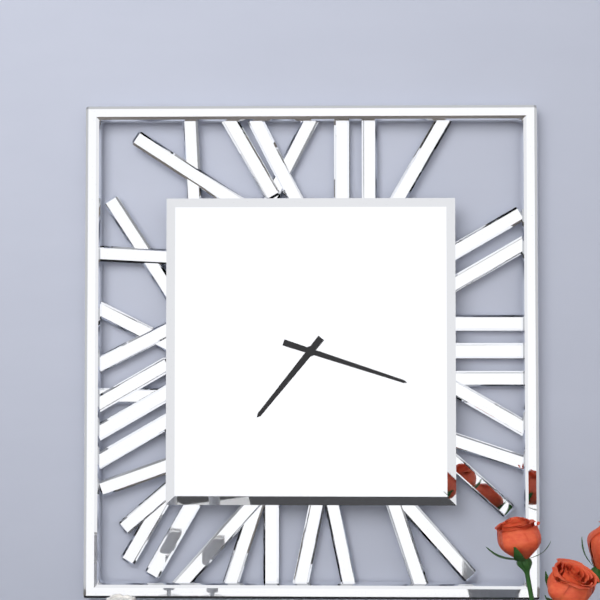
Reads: 7.18
